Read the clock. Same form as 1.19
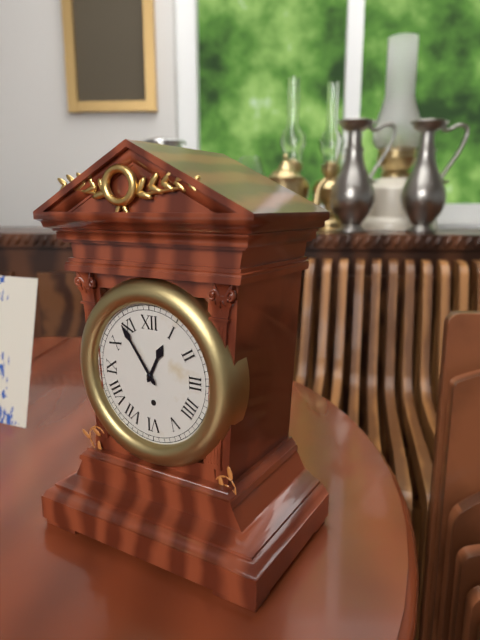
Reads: 12.54
